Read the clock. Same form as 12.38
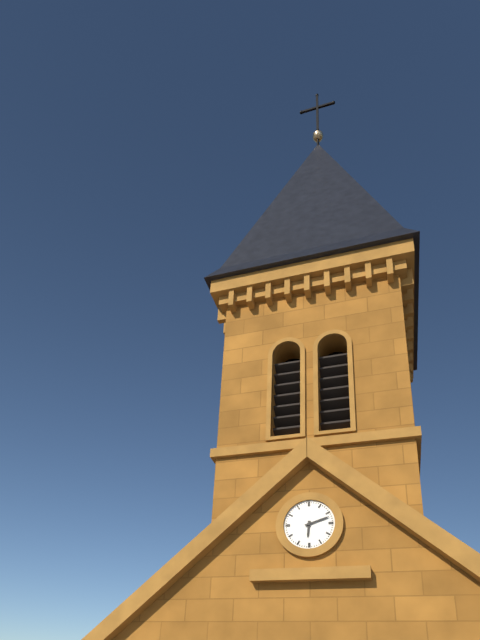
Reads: 6.12
